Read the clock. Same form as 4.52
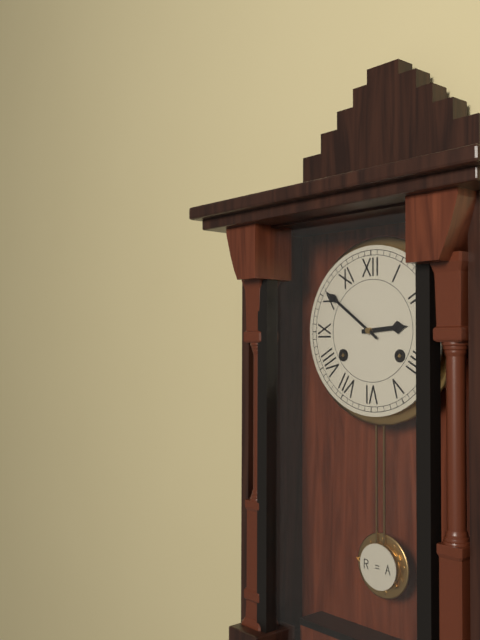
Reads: 2.51
